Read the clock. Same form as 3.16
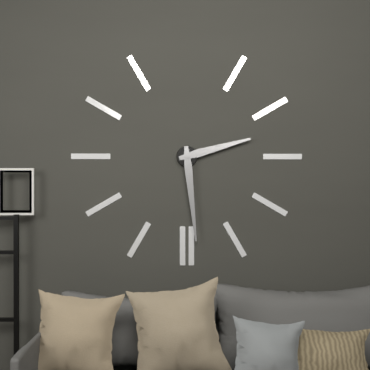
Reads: 2.29
